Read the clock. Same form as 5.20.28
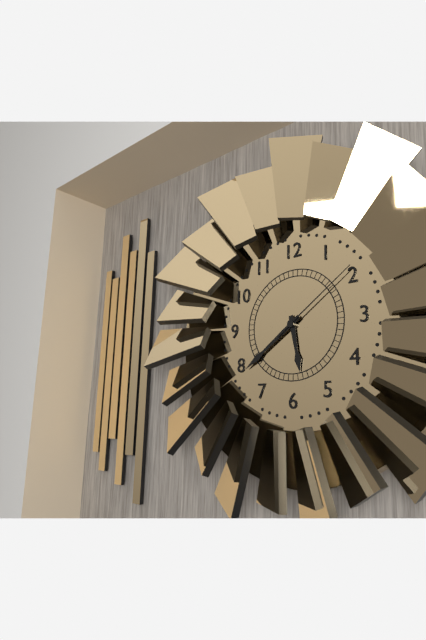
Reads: 5.39.09
